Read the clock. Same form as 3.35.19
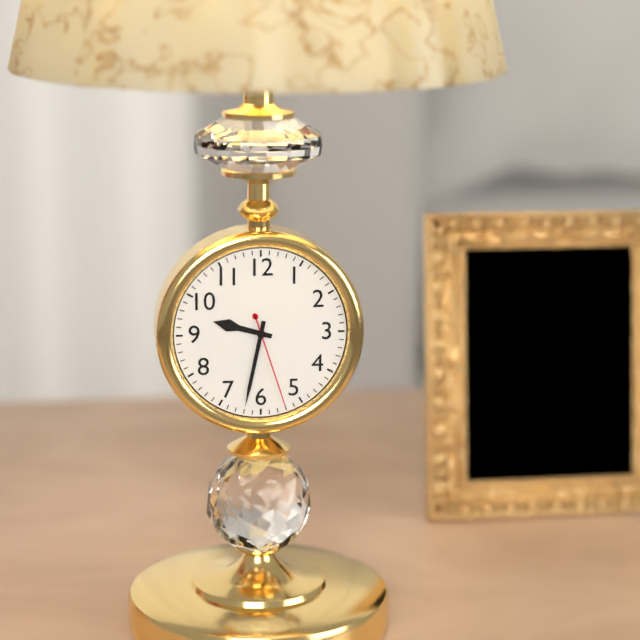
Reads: 9.32.27
